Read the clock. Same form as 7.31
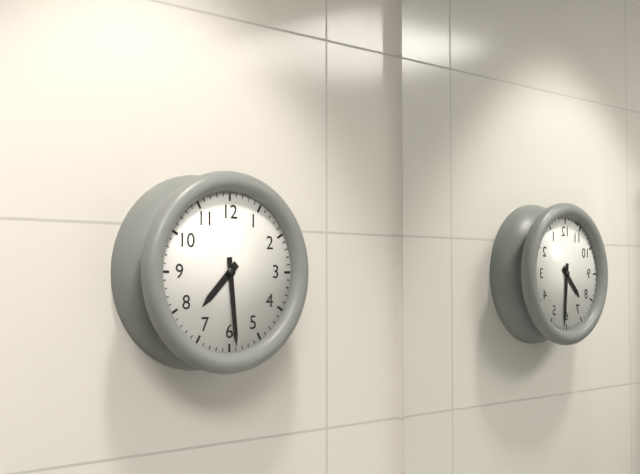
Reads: 7.29
